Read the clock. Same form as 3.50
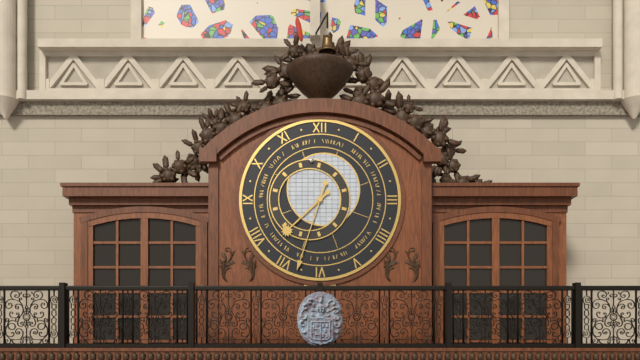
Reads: 7.33
